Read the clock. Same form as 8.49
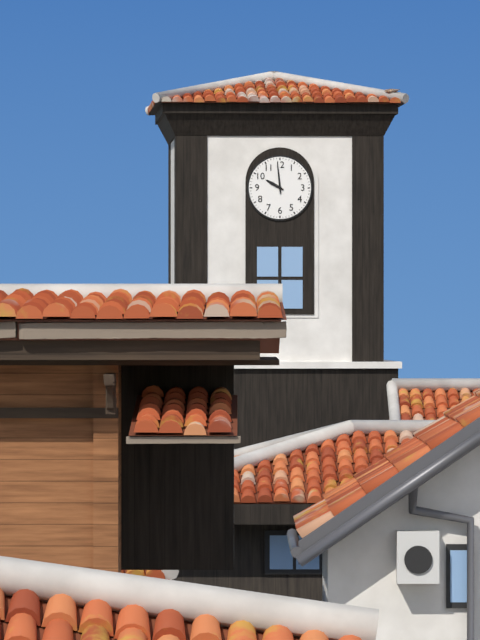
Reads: 9.59
